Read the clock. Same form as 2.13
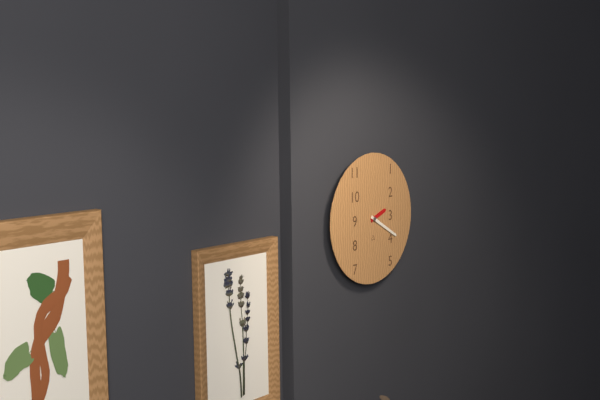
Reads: 2.20
